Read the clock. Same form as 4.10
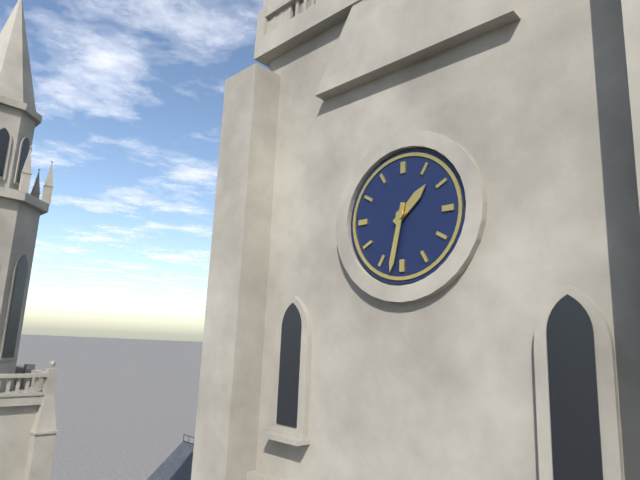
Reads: 1.32
